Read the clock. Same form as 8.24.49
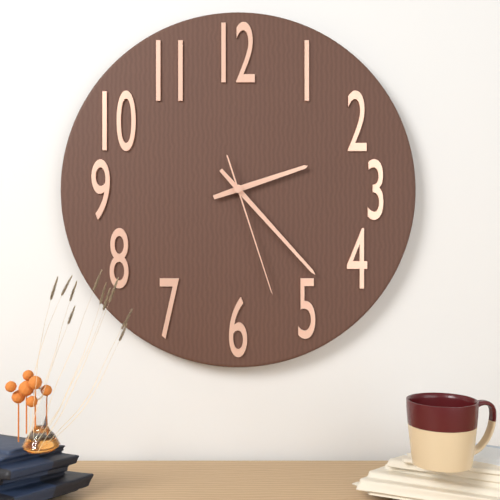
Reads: 2.23.27
